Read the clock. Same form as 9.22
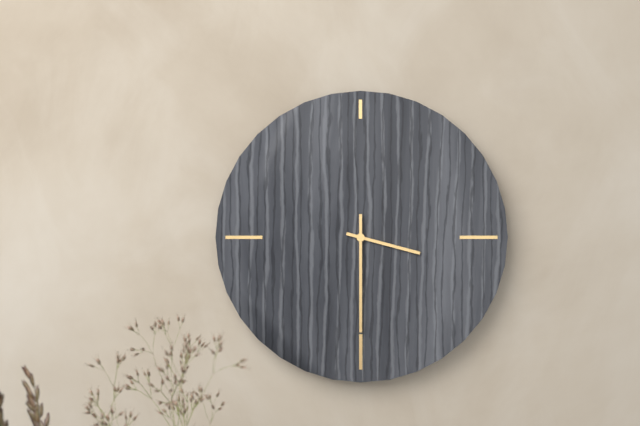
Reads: 3.30
